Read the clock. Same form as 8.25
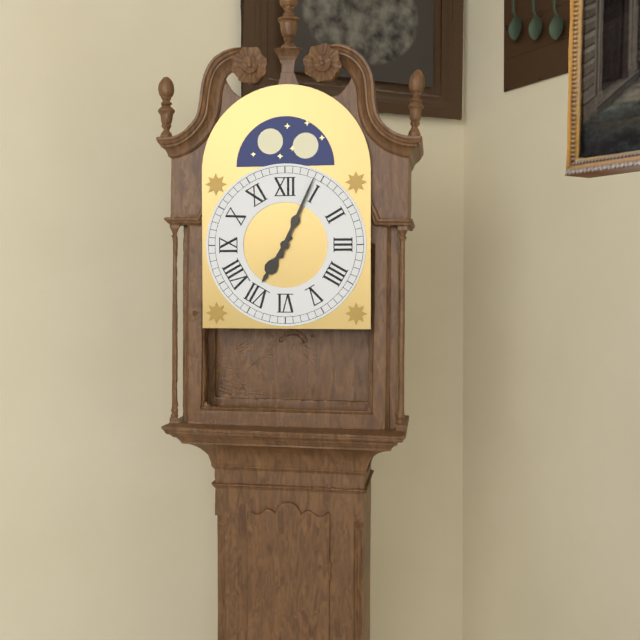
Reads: 7.04
